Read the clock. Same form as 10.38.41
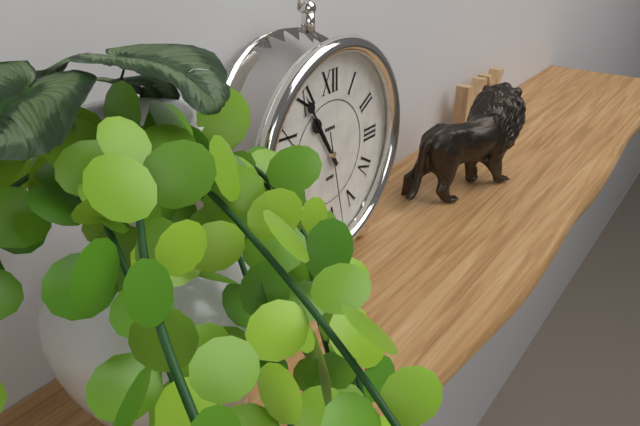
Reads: 10.55.28
